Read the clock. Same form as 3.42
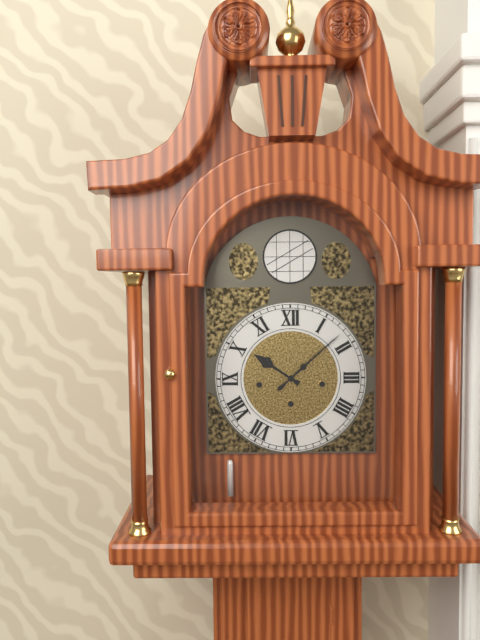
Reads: 10.08
